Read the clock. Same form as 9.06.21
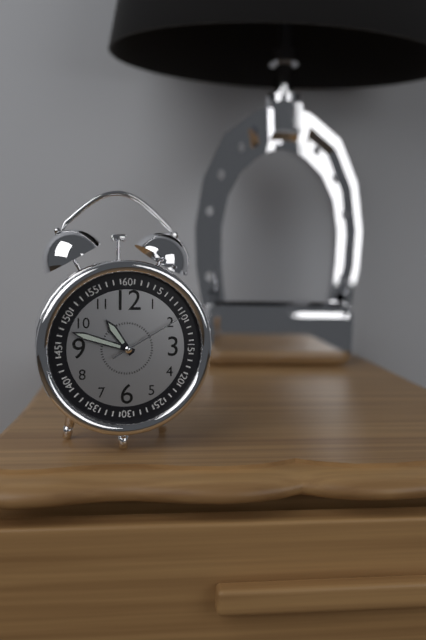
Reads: 10.48.10
